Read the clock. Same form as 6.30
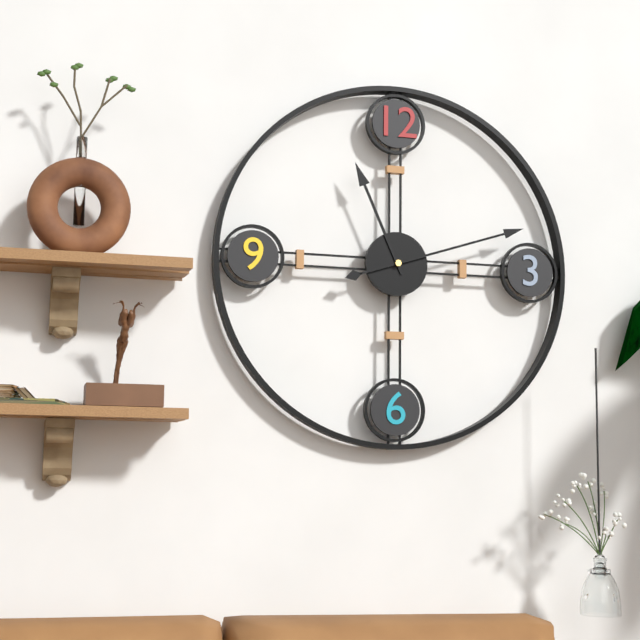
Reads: 11.12
